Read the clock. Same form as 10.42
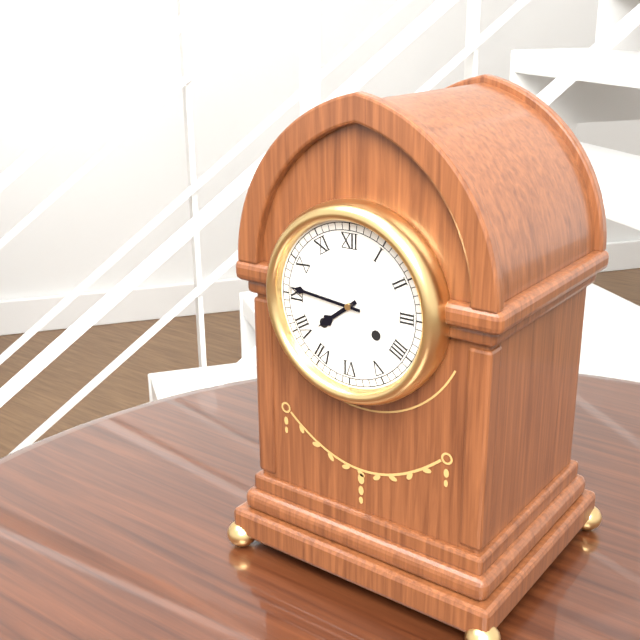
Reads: 7.46
